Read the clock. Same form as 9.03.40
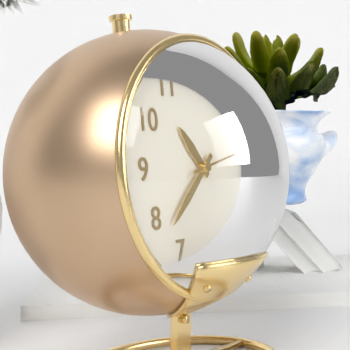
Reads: 10.38.13
